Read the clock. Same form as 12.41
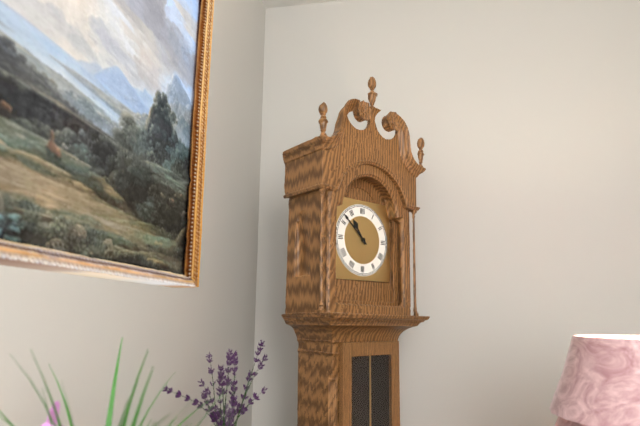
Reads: 10.52
